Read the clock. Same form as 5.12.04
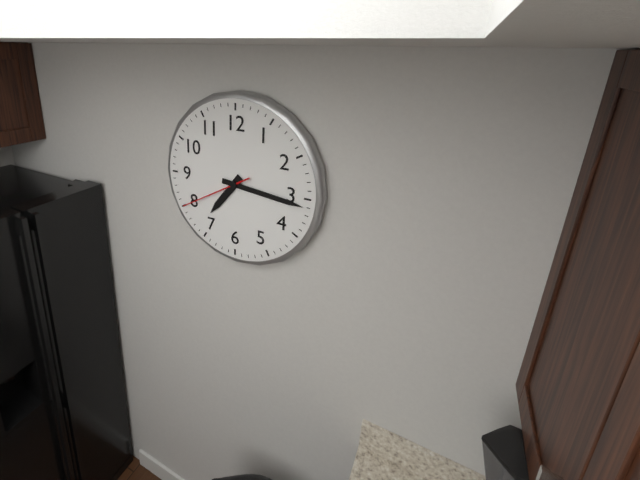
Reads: 7.16.40
